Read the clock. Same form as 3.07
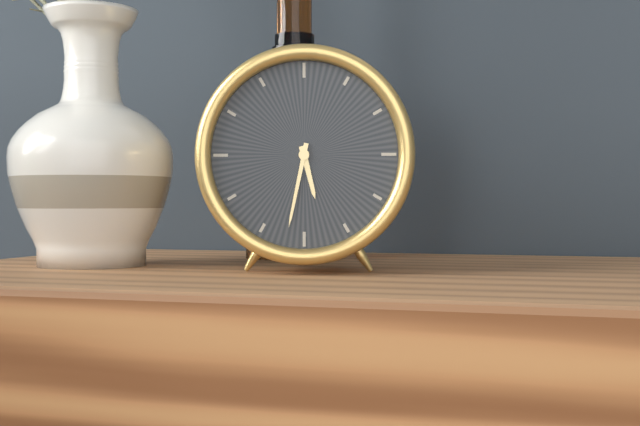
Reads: 5.32
